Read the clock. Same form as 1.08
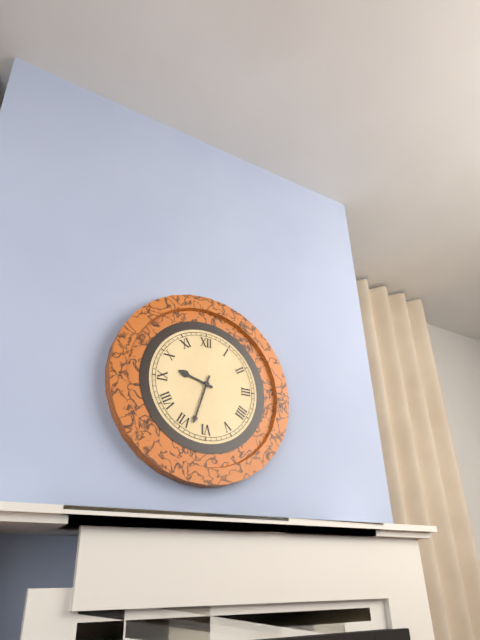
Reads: 9.33
